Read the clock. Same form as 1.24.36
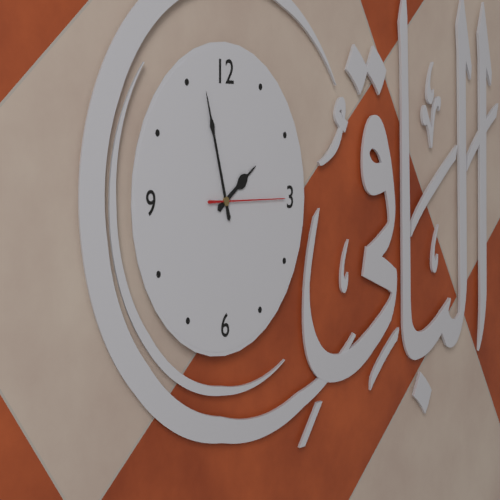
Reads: 1.57.15
